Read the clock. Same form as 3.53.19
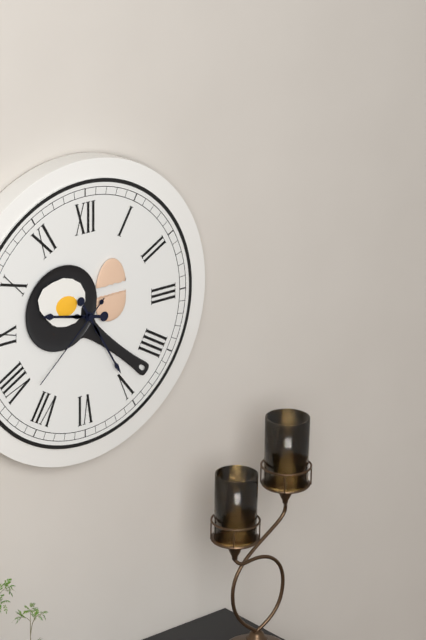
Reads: 9.25.38
